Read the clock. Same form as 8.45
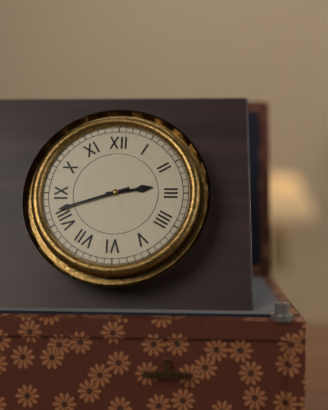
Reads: 2.42
